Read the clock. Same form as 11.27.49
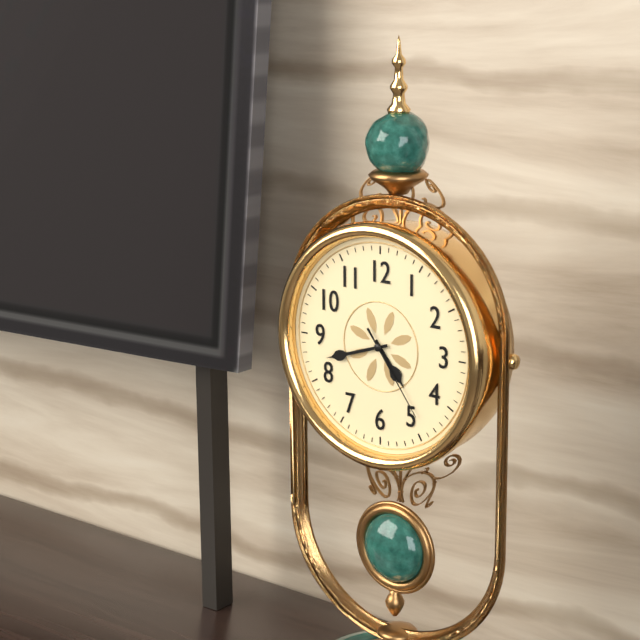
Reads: 4.42.24
